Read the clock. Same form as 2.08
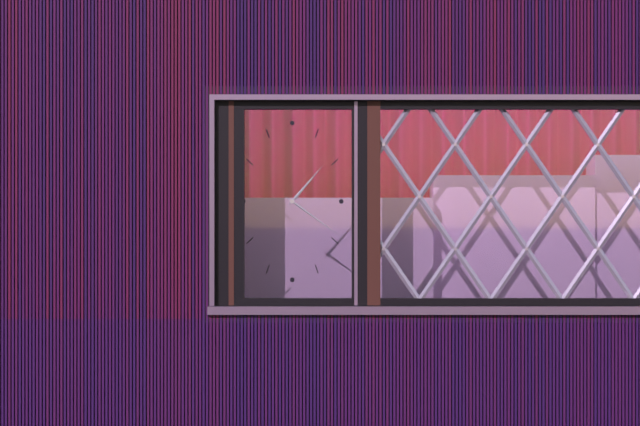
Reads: 1.21
